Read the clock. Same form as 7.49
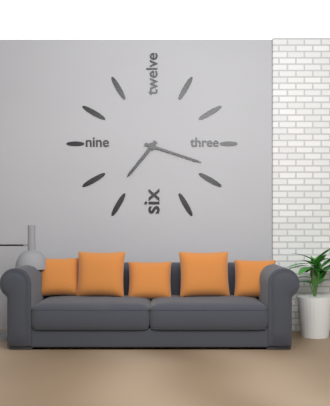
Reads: 7.18
